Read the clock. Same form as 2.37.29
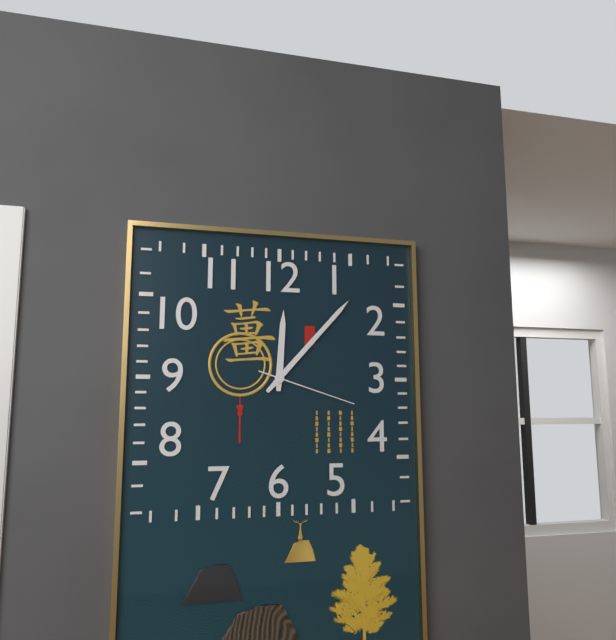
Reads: 12.07.18
